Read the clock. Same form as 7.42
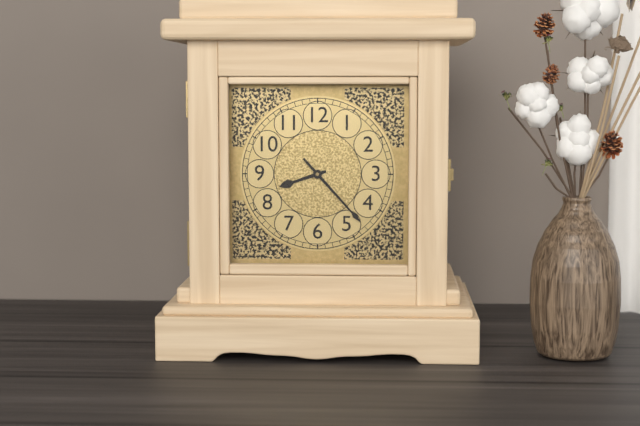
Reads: 8.23
